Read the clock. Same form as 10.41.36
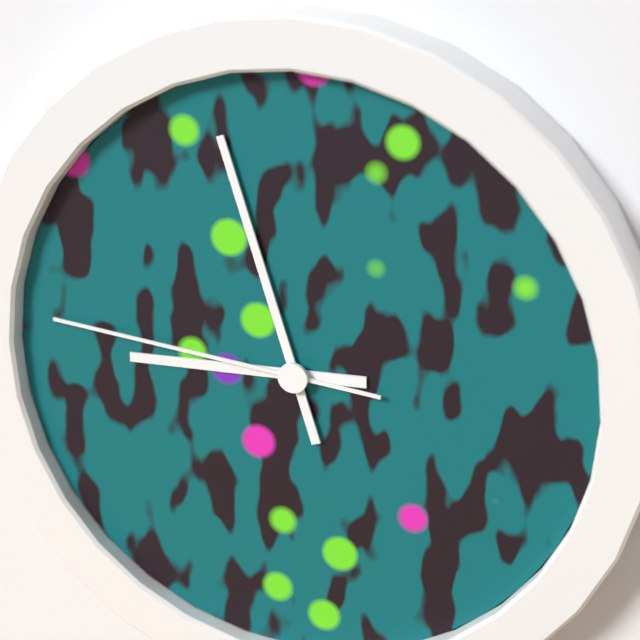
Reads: 8.57.46
